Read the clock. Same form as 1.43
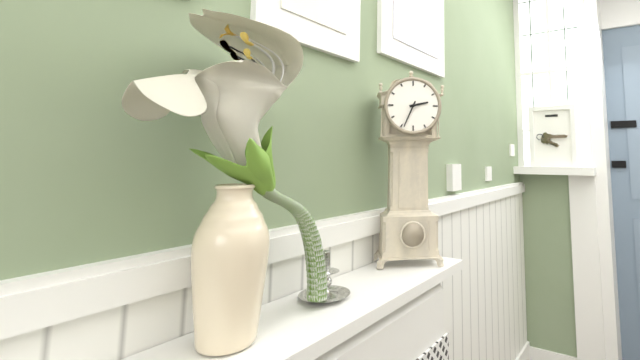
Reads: 2.34
